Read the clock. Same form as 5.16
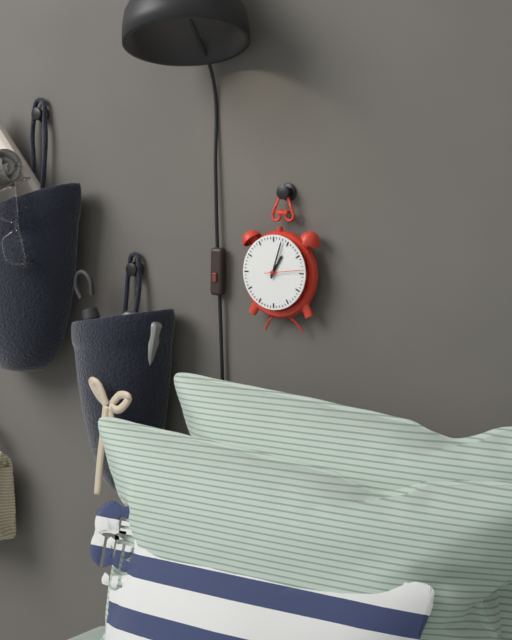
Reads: 1.03
